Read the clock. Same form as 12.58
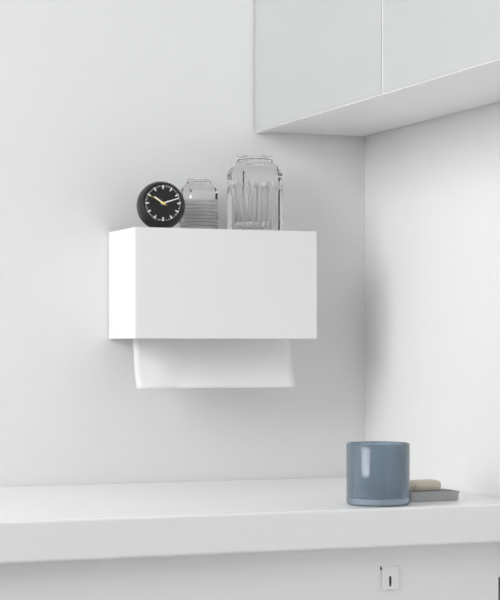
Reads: 10.12
